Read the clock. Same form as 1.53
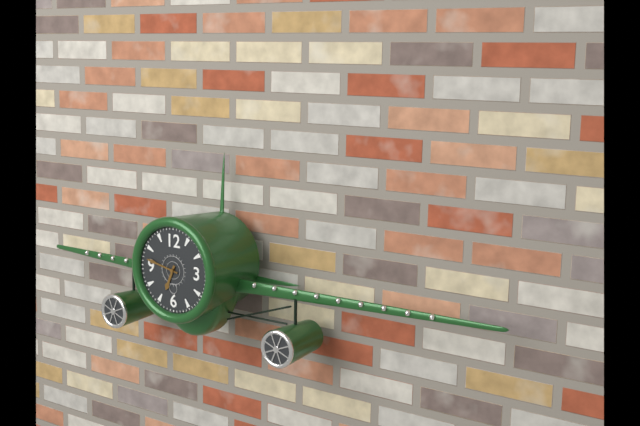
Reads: 6.47
